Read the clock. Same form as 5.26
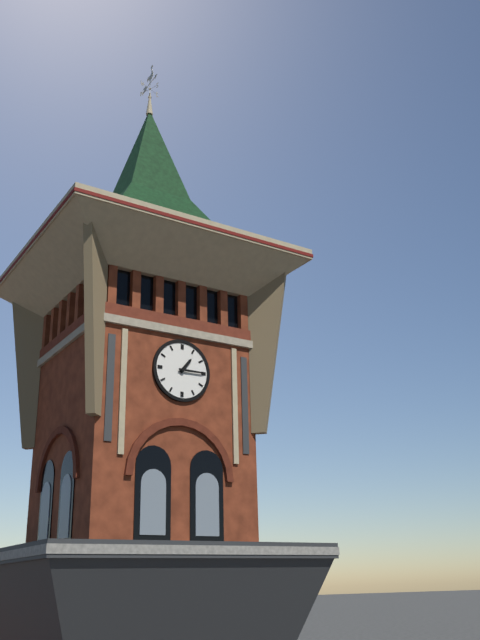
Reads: 1.15
